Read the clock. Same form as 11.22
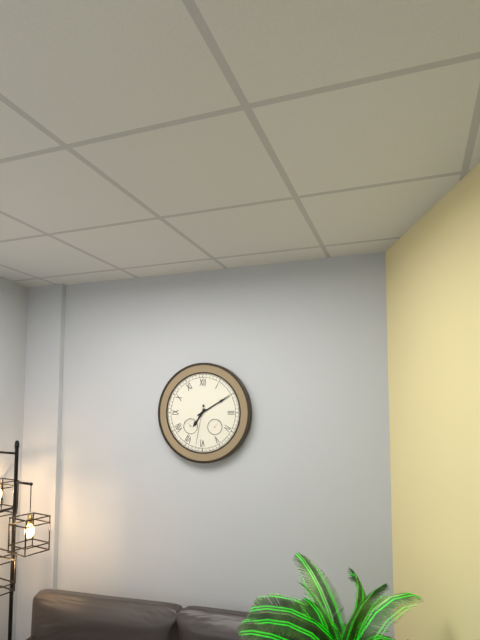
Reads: 7.10
